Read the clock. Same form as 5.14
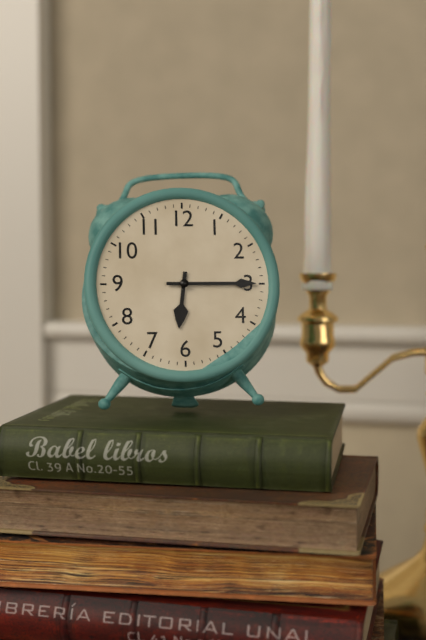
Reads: 6.15
